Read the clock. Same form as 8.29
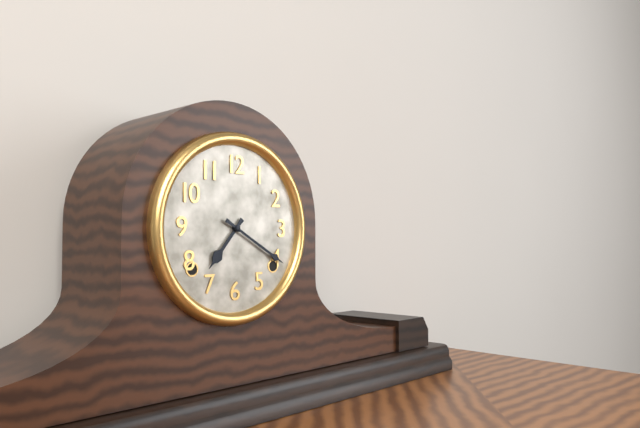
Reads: 7.20
